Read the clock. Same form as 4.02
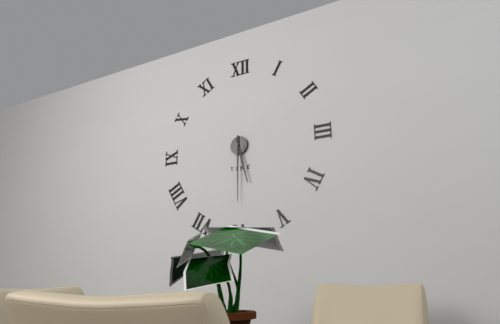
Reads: 5.30
